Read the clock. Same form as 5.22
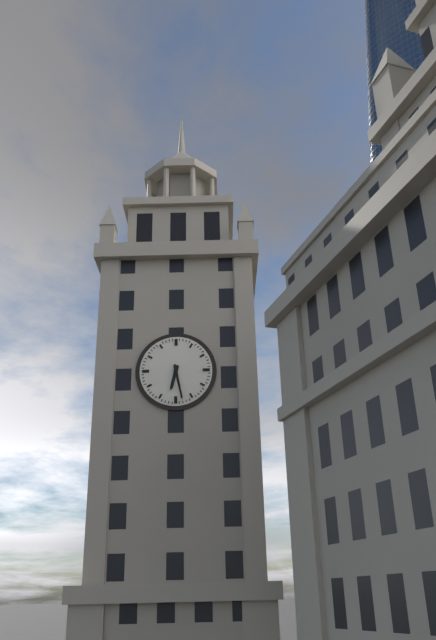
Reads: 6.28
